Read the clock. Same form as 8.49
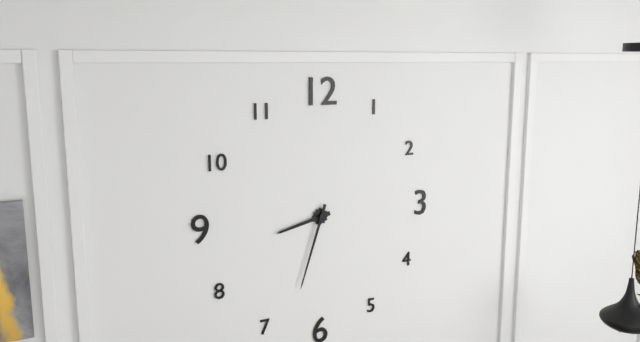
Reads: 8.33
